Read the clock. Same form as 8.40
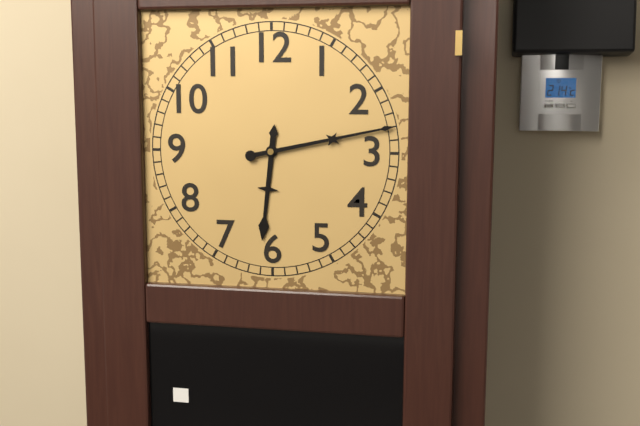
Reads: 6.13
